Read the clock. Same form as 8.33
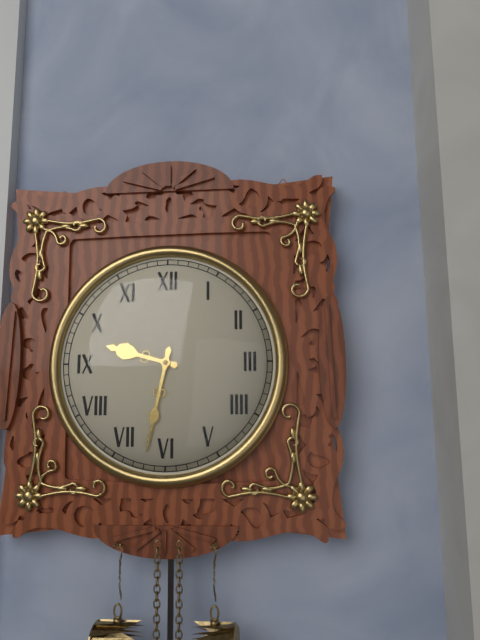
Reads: 9.32
